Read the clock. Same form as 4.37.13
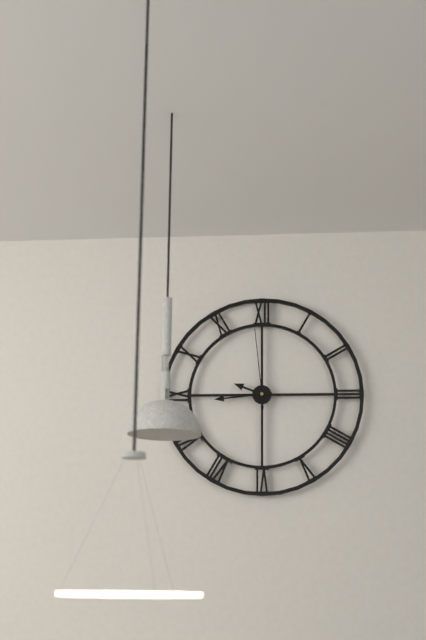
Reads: 9.44.59
